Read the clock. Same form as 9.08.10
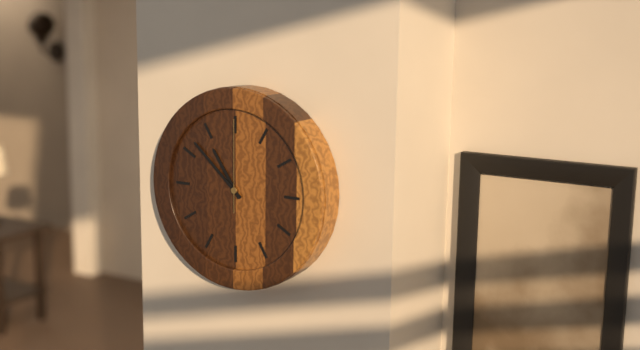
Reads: 10.52.00
